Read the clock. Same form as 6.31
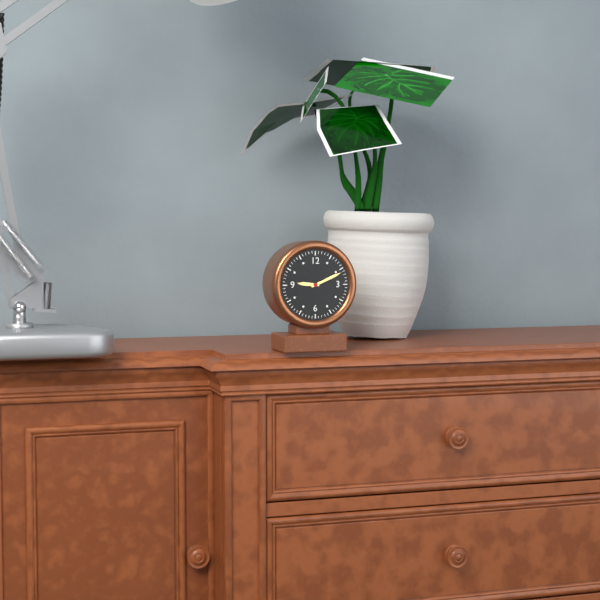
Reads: 9.11
